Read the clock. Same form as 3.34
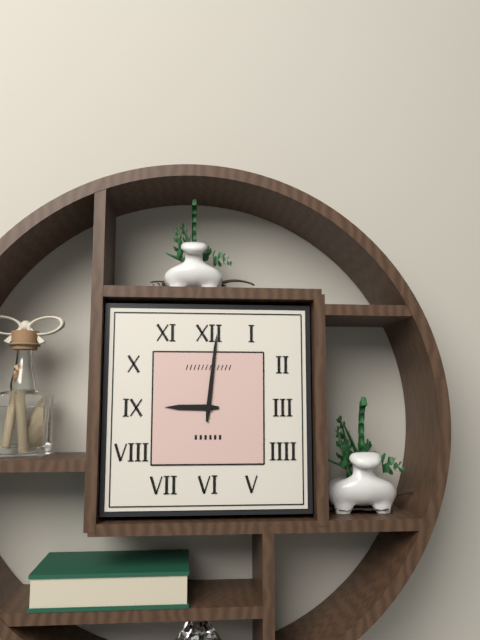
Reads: 9.01
